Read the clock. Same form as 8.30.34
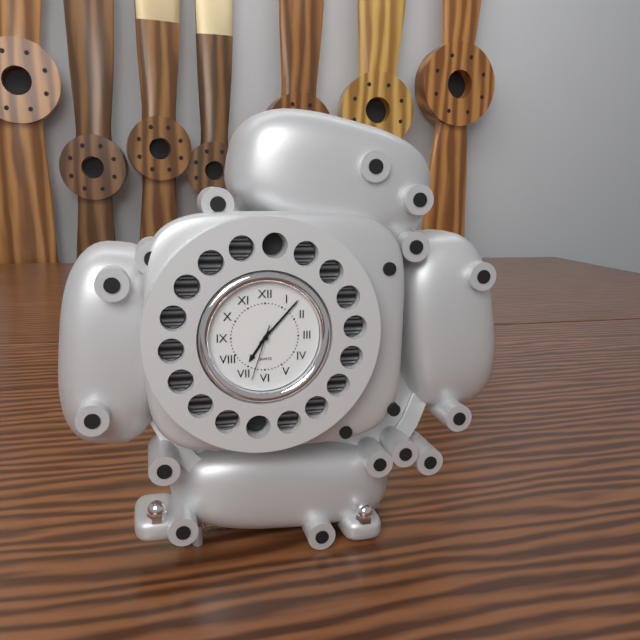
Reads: 7.07.33
